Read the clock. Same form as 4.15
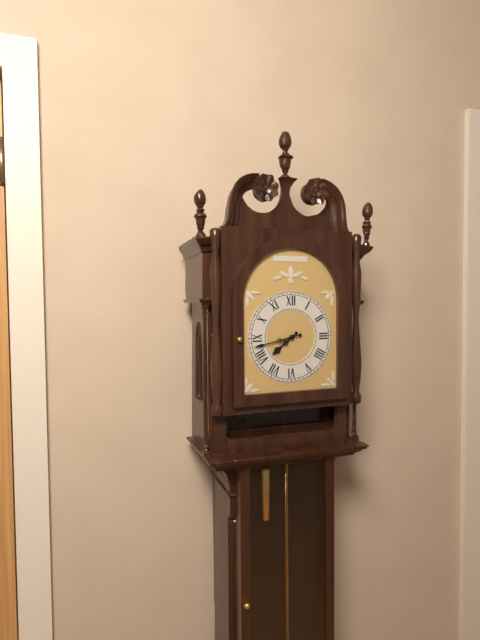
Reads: 7.43
